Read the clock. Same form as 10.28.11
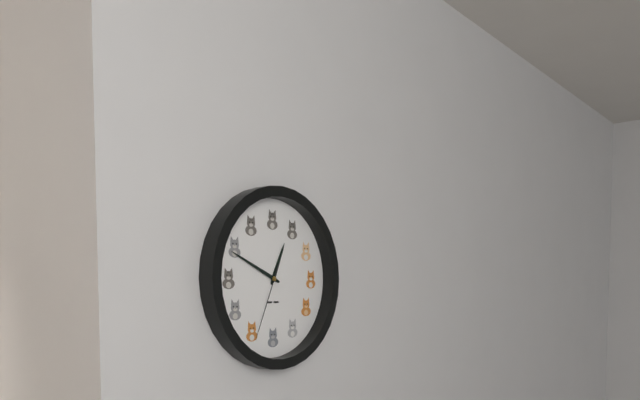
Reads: 12.49.34
